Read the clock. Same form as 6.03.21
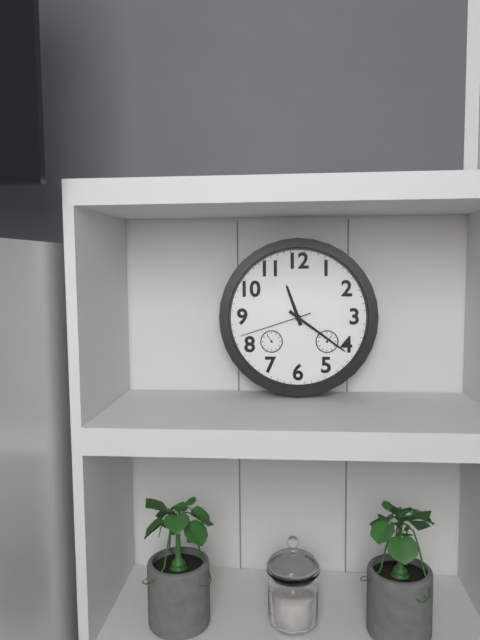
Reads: 11.21.42
